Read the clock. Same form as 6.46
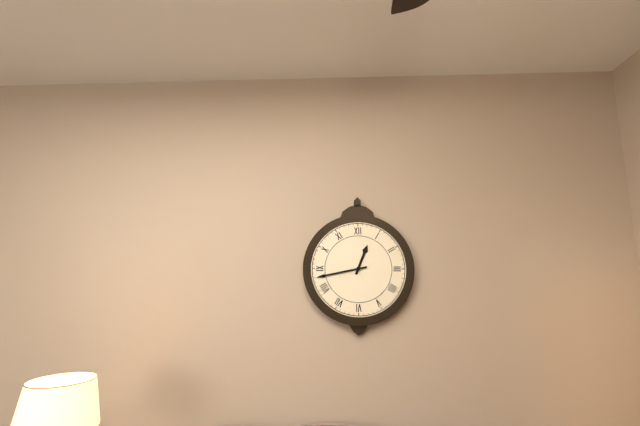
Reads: 12.43
